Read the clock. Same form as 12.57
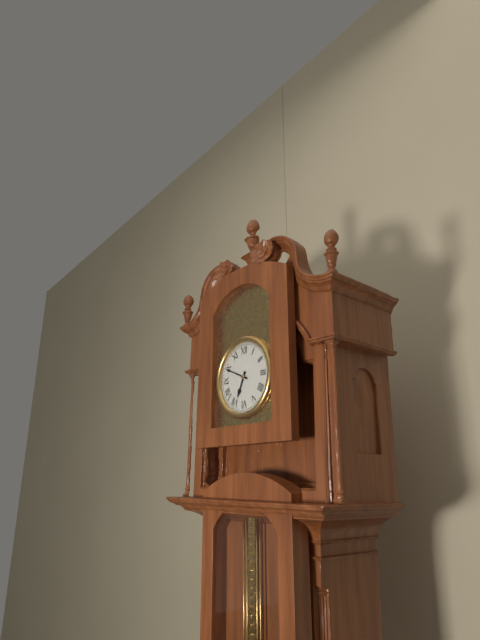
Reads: 6.49
